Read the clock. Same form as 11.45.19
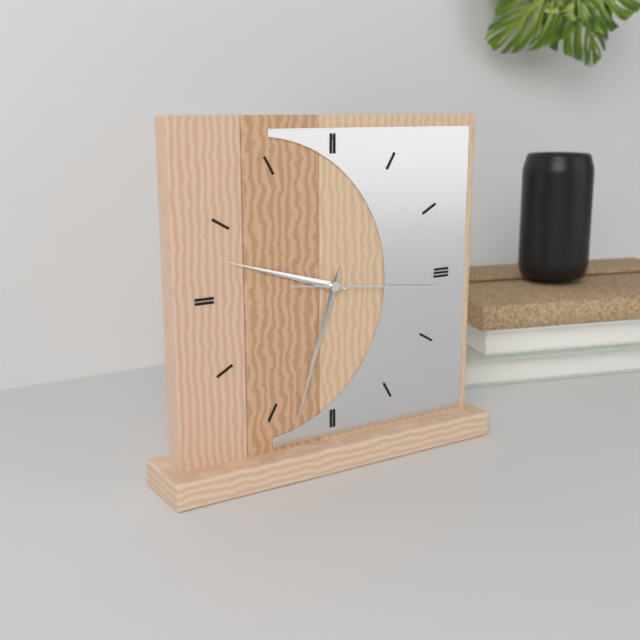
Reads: 9.33.16
